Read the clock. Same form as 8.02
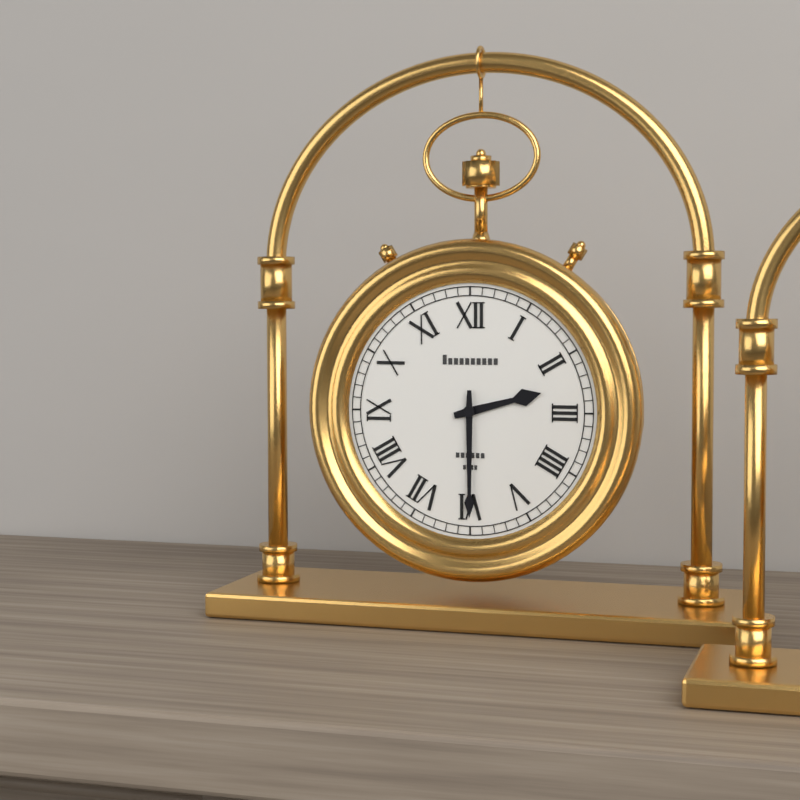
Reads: 2.30
